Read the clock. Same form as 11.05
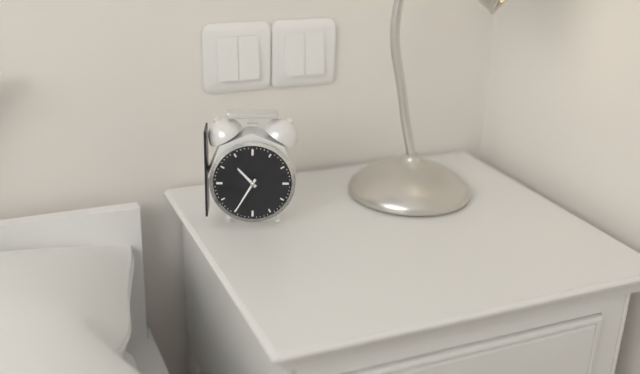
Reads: 10.35
